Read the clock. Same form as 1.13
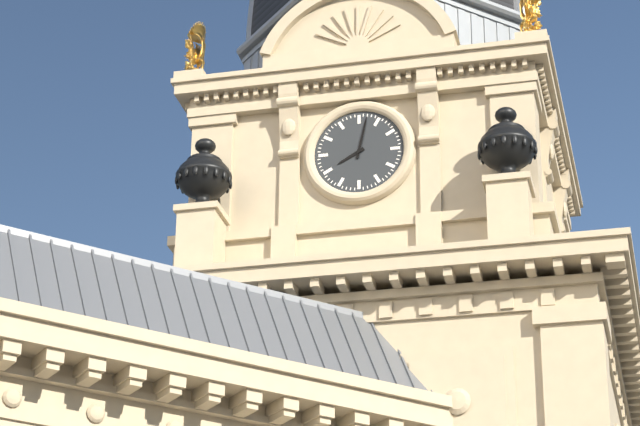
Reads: 8.02
